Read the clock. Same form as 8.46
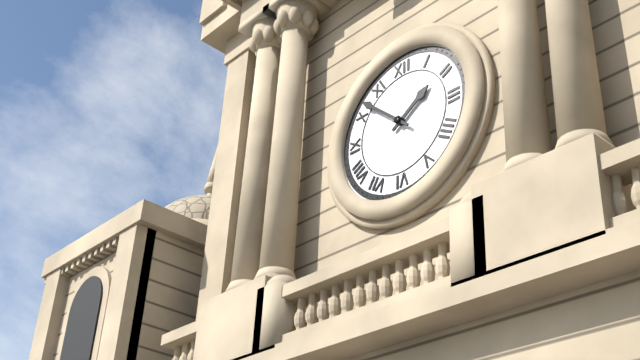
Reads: 1.52
